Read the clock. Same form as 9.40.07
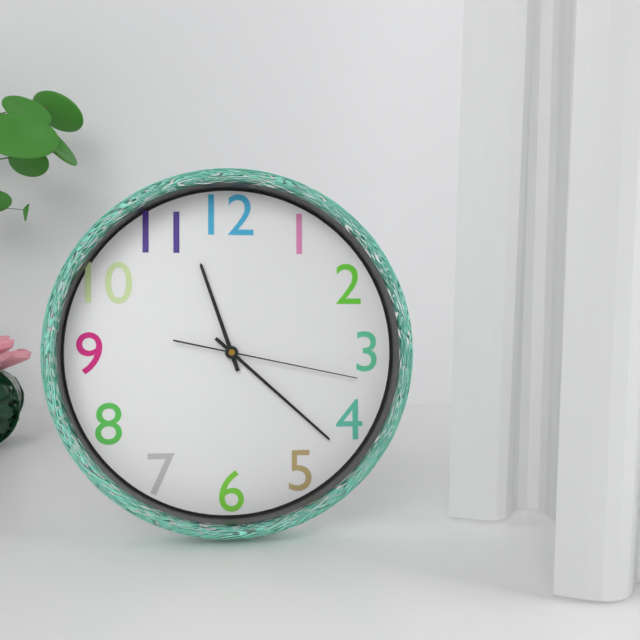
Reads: 11.22.17
